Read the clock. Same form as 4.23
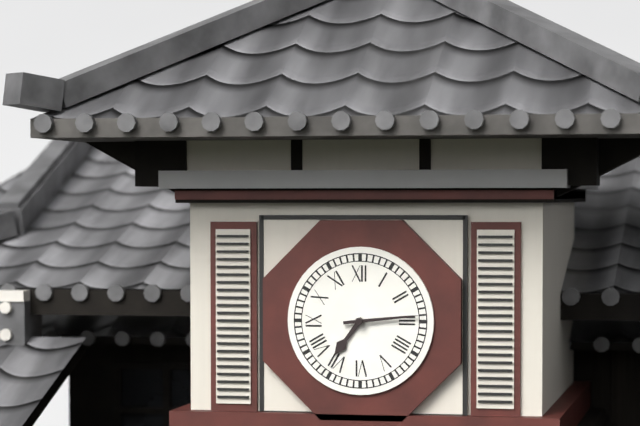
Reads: 7.14
